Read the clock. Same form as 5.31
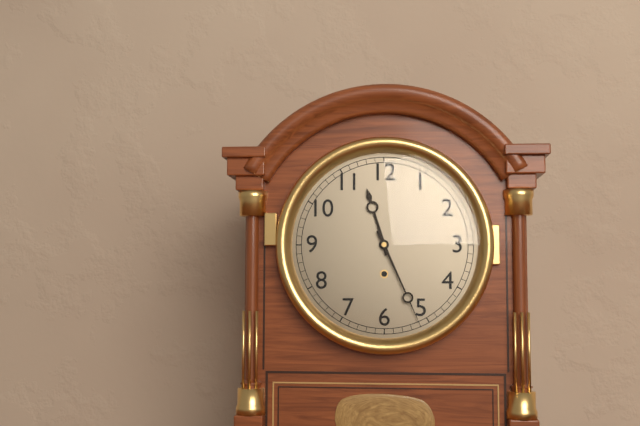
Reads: 11.26
